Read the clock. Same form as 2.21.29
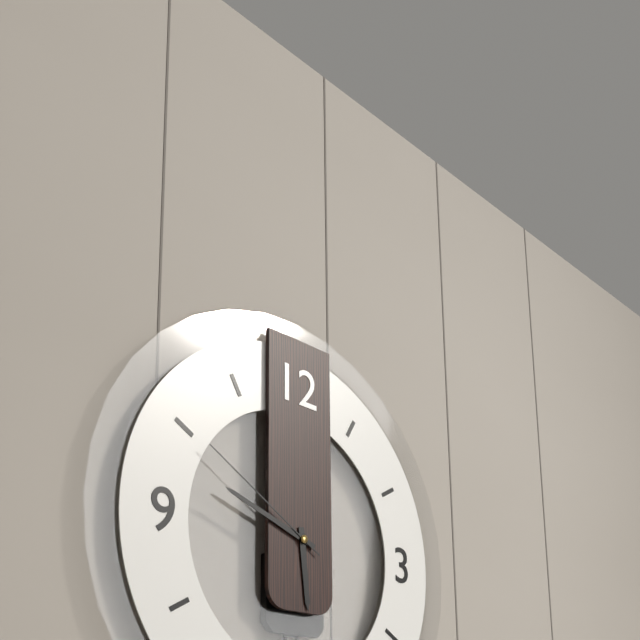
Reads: 5.48.50
